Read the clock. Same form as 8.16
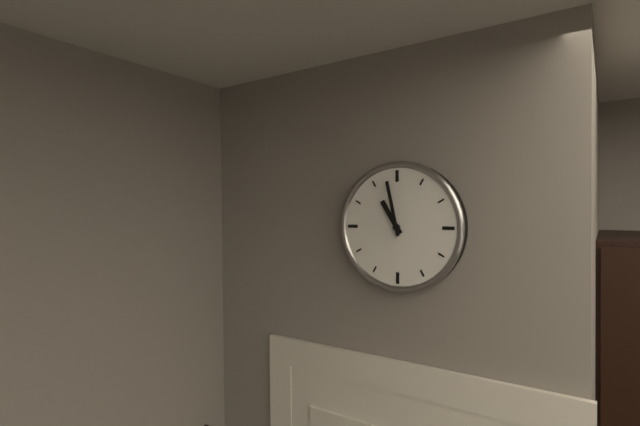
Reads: 10.58
